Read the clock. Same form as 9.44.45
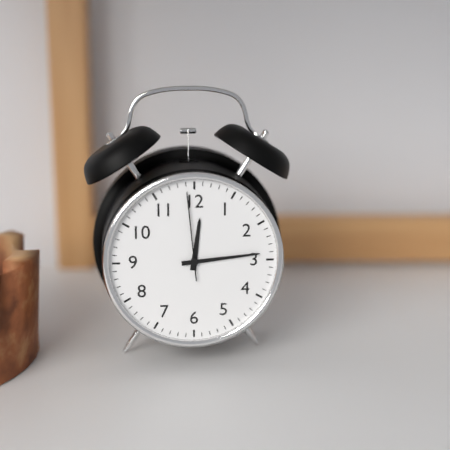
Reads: 12.14.59
